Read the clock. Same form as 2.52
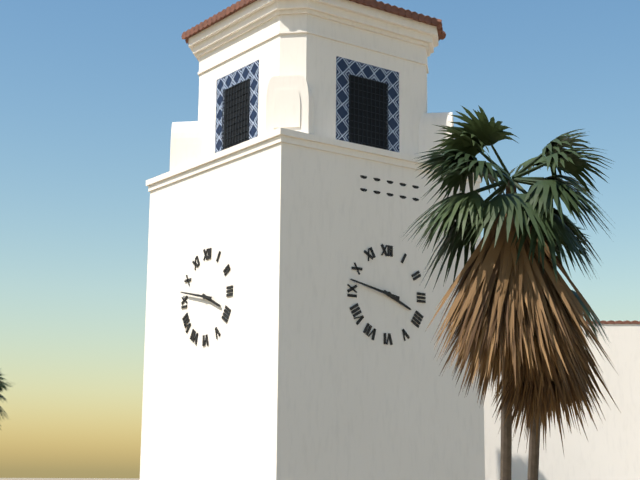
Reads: 3.47
